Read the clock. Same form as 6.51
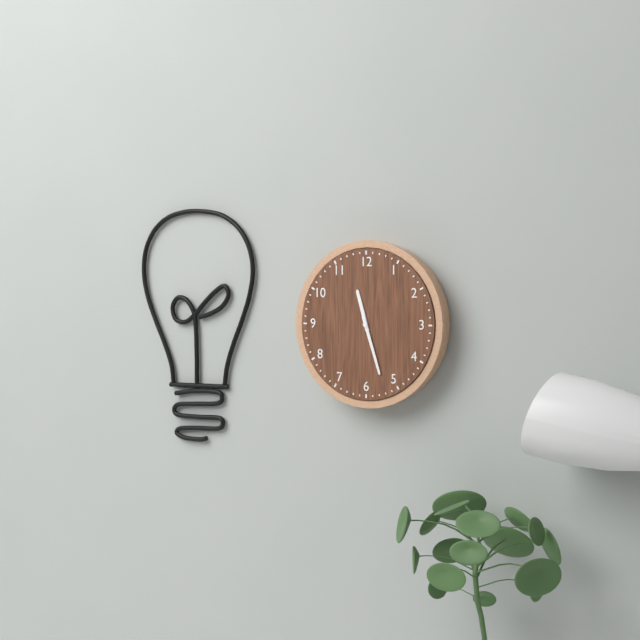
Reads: 11.27
